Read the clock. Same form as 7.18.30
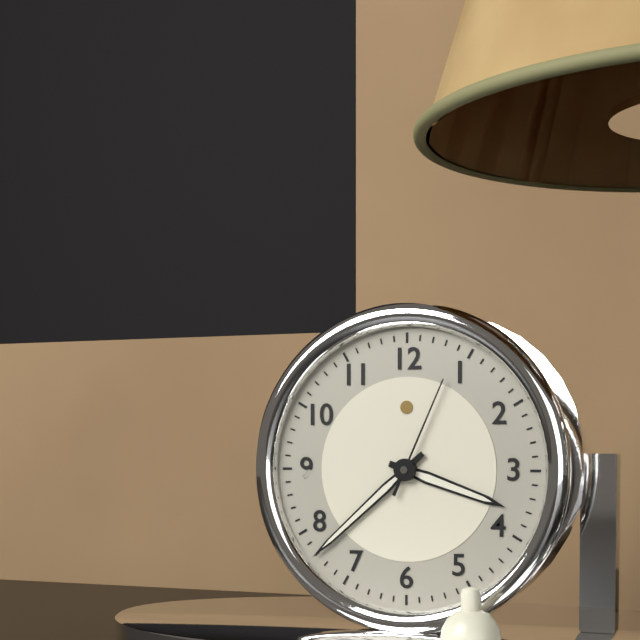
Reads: 3.38.04
